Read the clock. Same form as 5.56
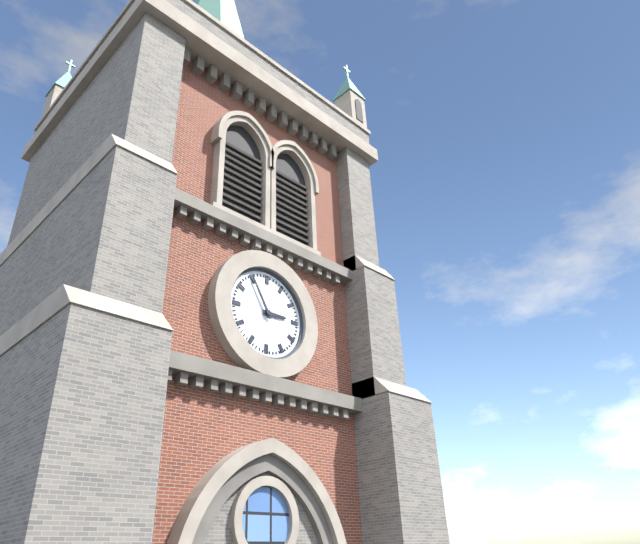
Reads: 2.55
